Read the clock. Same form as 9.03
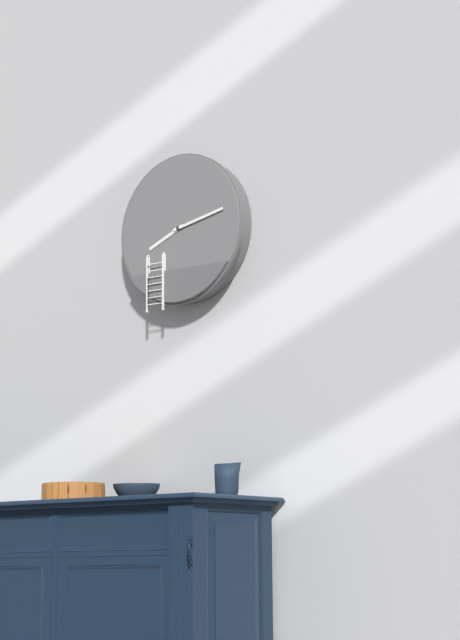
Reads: 8.13
